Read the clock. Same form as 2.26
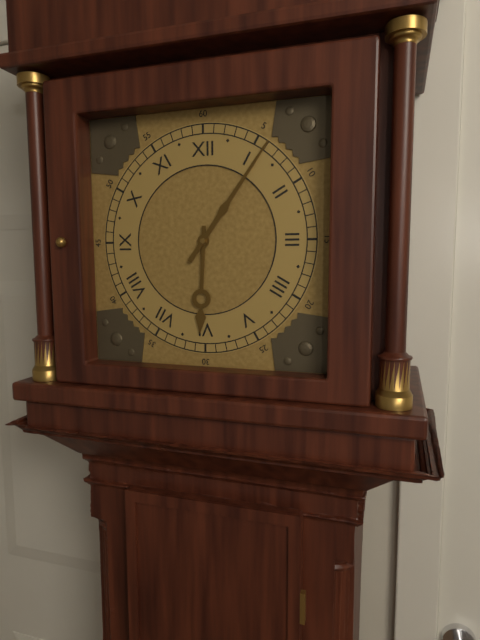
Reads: 6.06
